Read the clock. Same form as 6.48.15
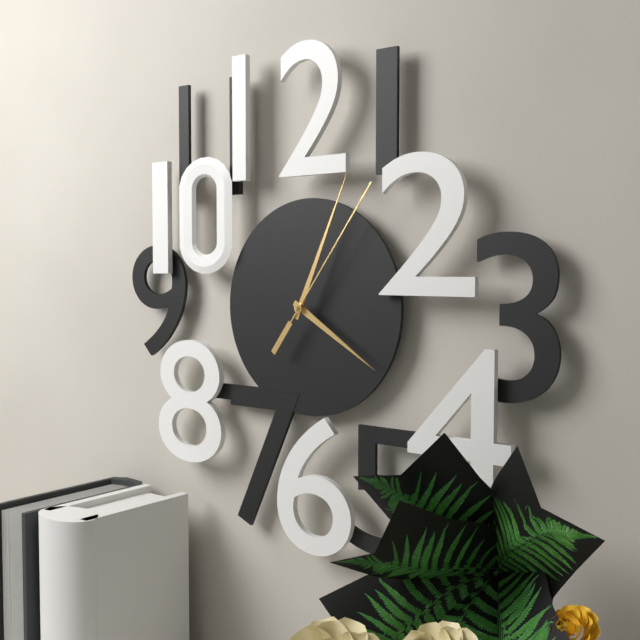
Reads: 4.04.06
